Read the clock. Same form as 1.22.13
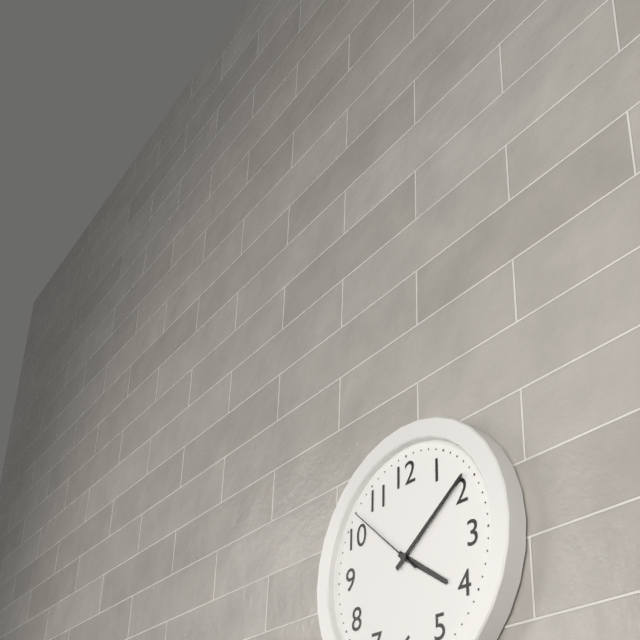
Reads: 4.09.52
